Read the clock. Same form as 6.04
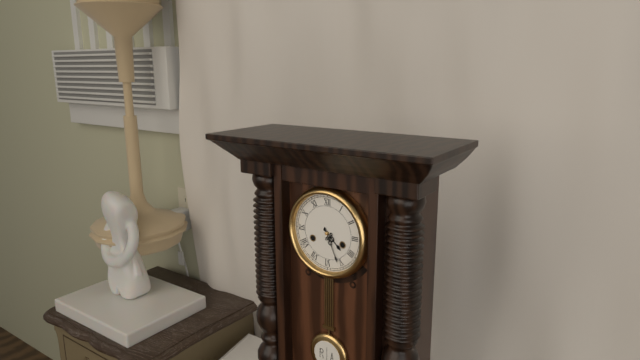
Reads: 4.26
